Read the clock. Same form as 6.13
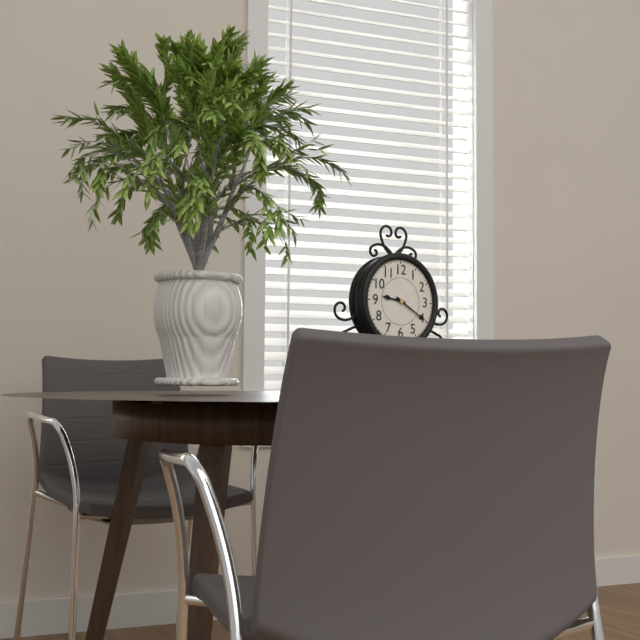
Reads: 9.20
